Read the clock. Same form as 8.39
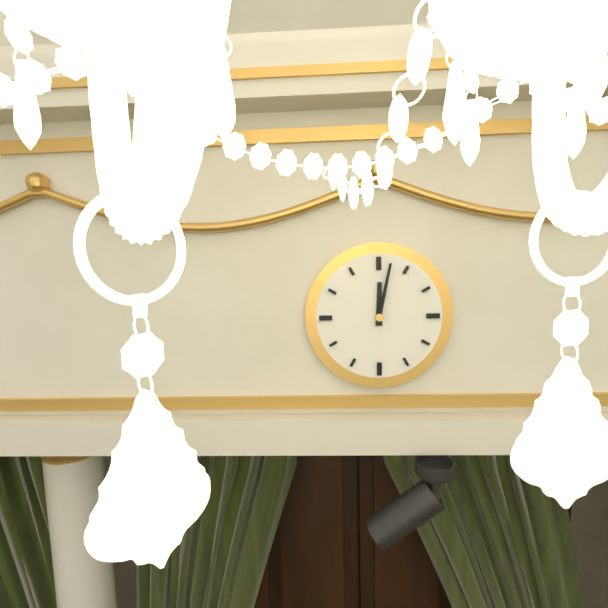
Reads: 12.02
